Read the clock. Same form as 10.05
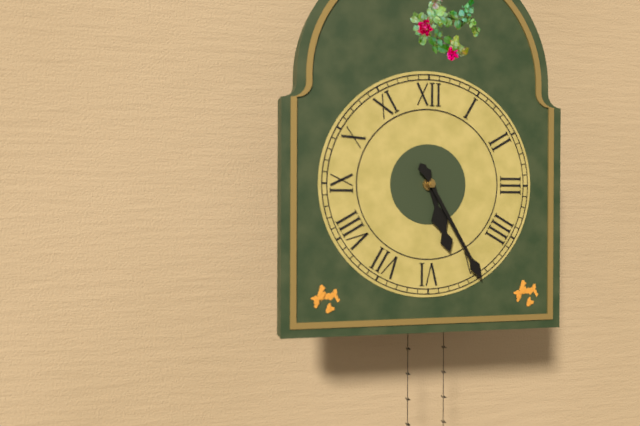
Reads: 5.25
